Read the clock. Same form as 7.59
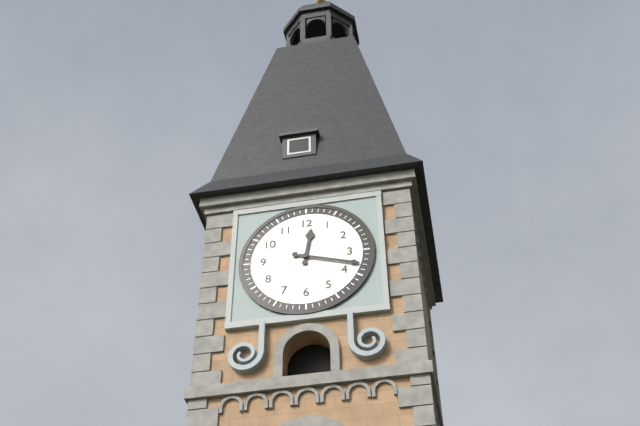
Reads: 12.18
